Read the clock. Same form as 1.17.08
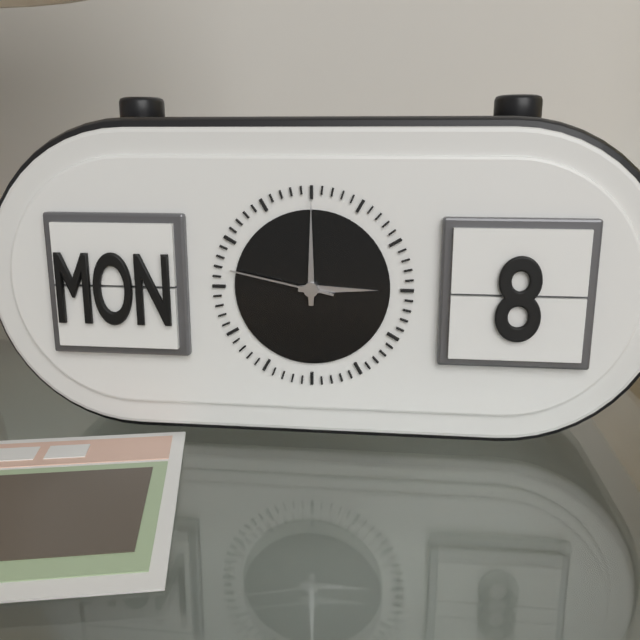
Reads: 3.00.47
